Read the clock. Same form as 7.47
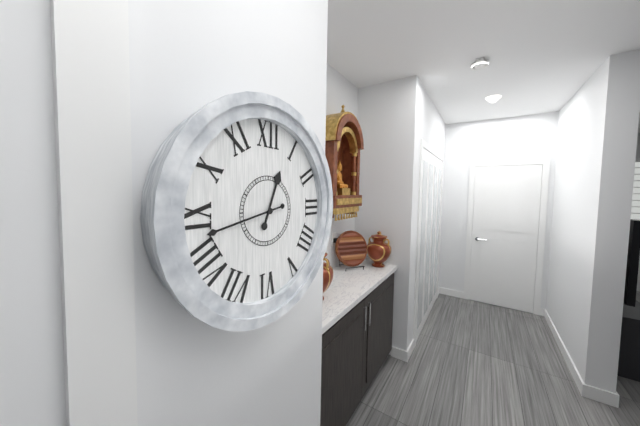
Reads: 12.43
